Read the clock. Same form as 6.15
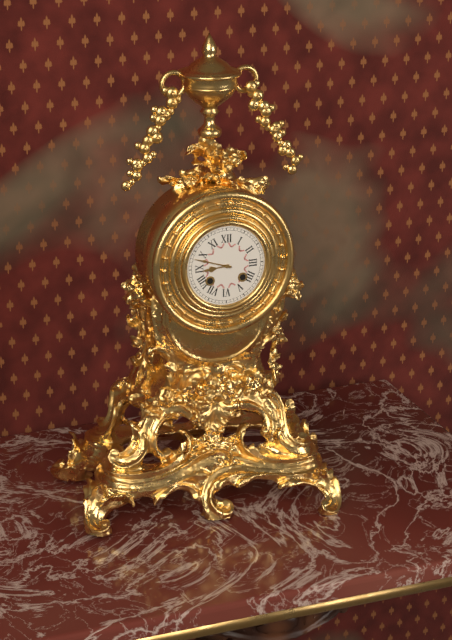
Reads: 8.48
